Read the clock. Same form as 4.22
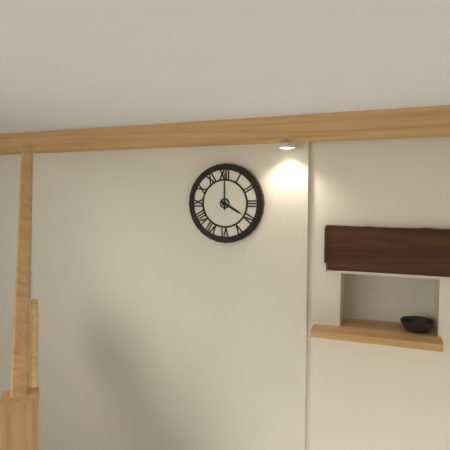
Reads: 4.00
